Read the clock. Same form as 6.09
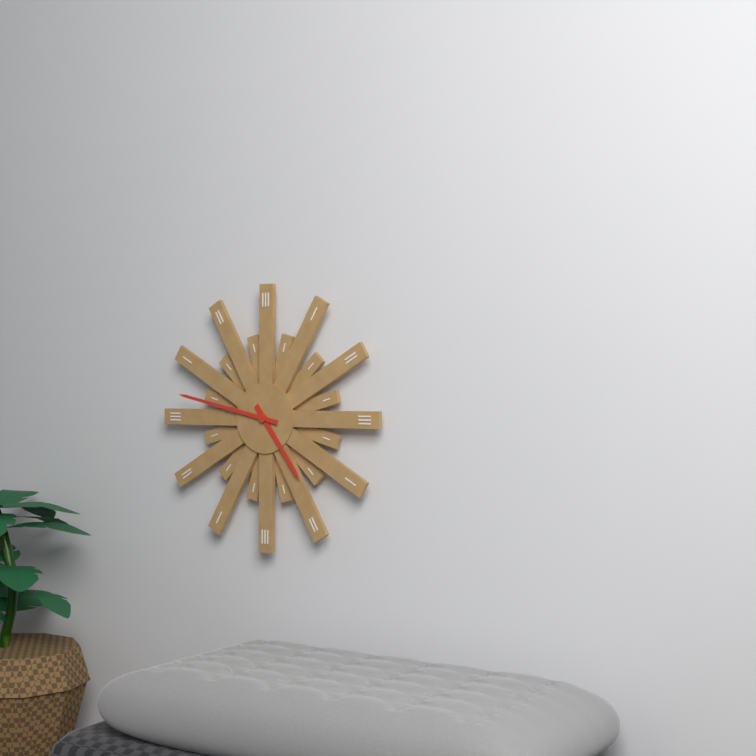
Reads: 4.47
